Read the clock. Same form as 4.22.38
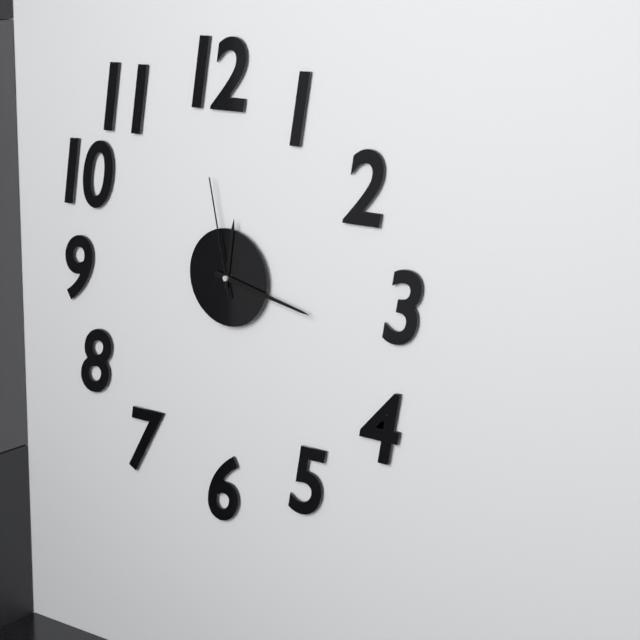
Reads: 12.17.58
